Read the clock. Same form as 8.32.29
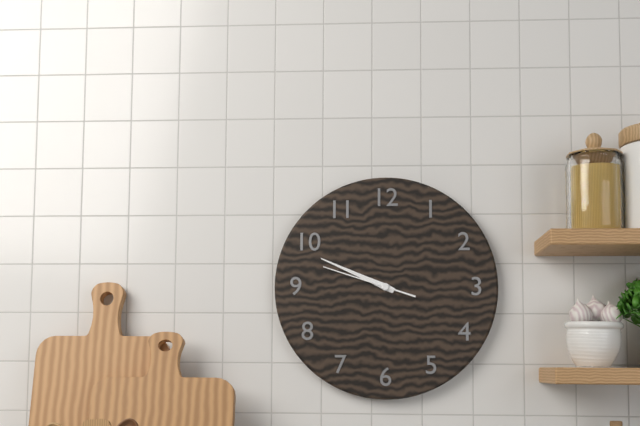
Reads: 9.49.48
